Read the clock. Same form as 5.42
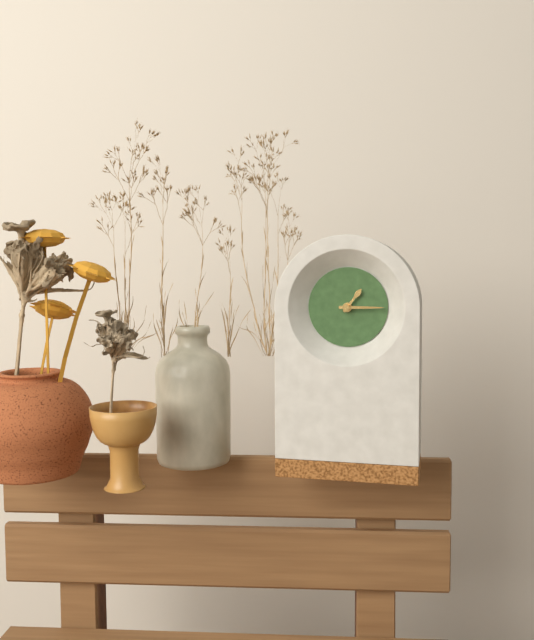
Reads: 1.15
